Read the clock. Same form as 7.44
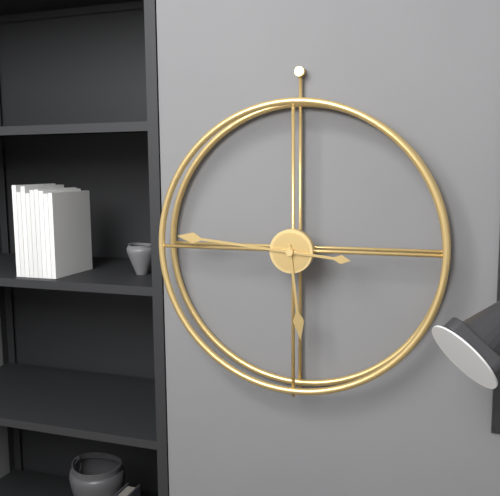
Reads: 5.46
